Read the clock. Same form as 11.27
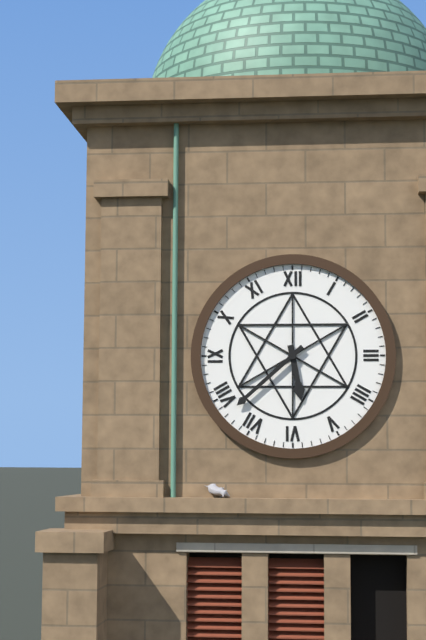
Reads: 5.38
